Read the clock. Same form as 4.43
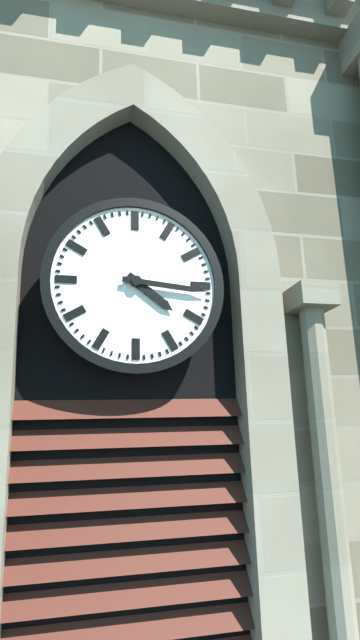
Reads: 4.16
